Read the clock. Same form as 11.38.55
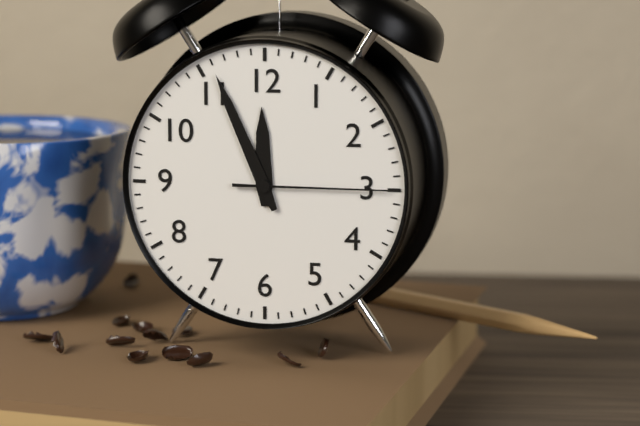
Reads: 11.56.15
